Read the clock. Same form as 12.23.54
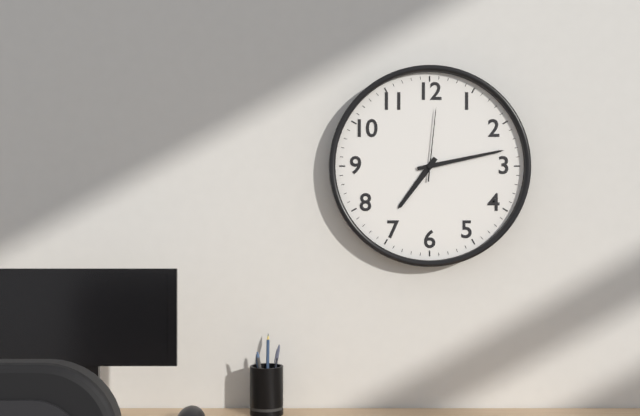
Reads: 7.13.01
